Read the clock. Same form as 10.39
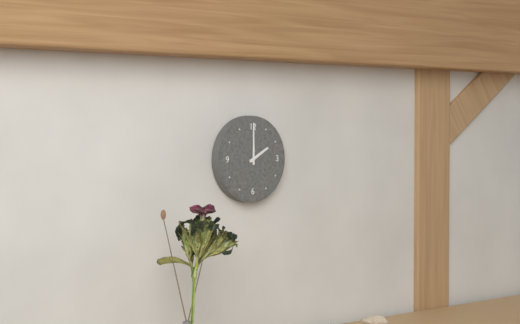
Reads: 2.00
